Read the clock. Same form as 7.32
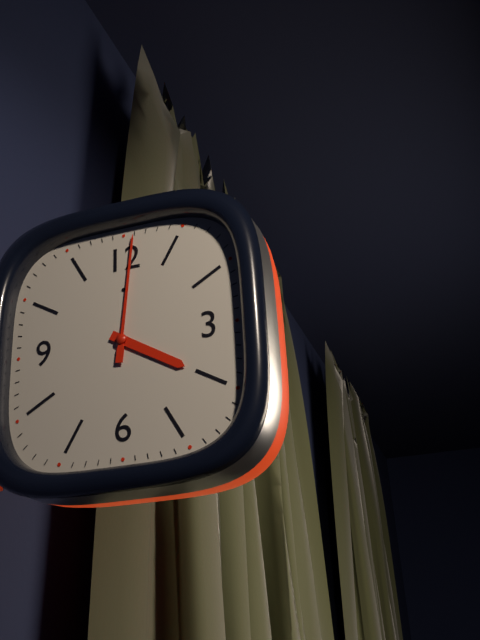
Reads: 4.01
